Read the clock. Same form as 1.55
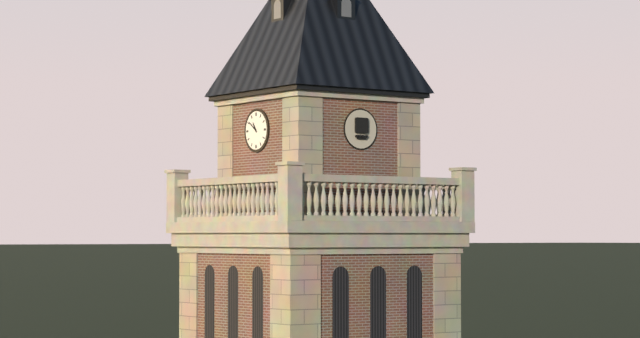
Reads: 10.51
